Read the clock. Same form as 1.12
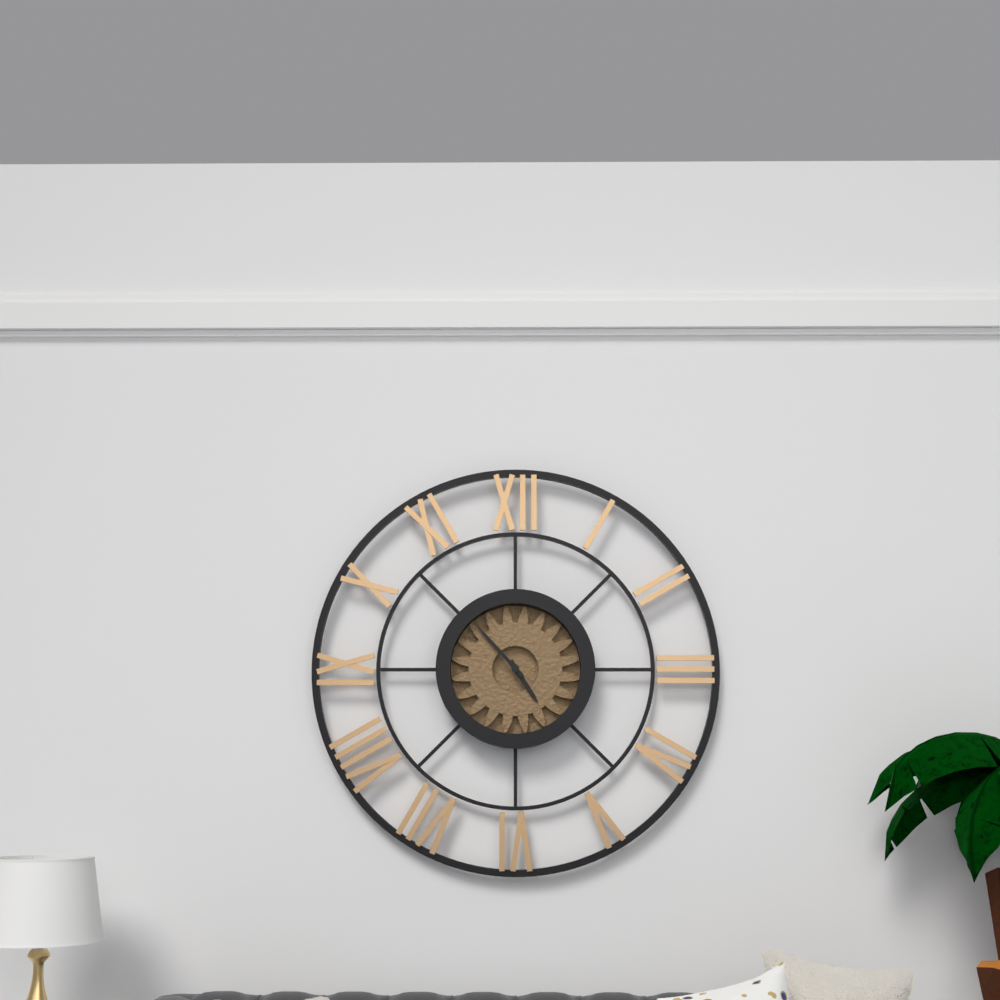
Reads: 4.53
